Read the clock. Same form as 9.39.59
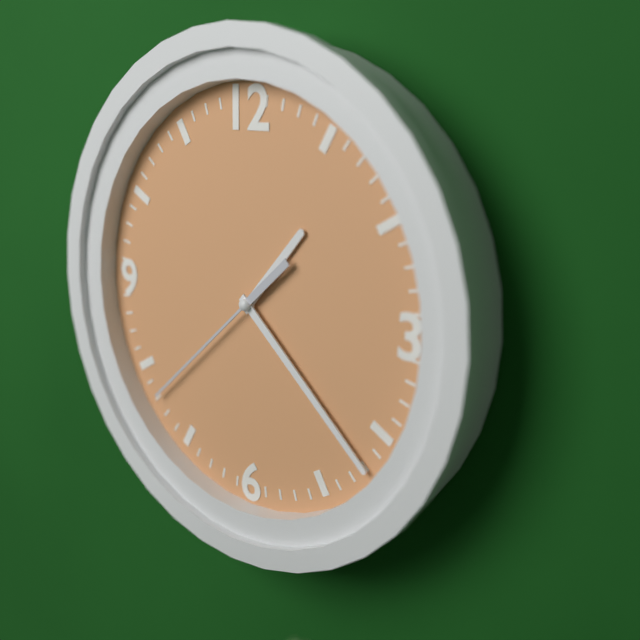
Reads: 1.22.38
